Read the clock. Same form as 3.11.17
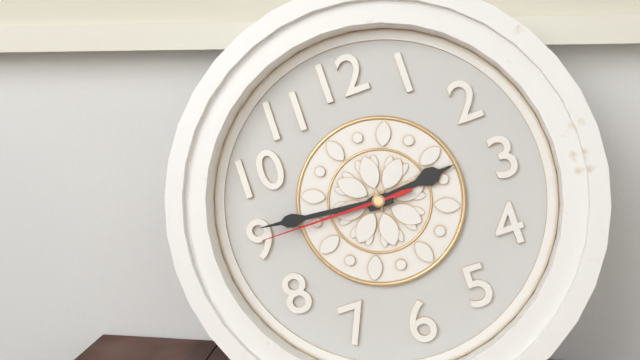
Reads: 2.46.45
